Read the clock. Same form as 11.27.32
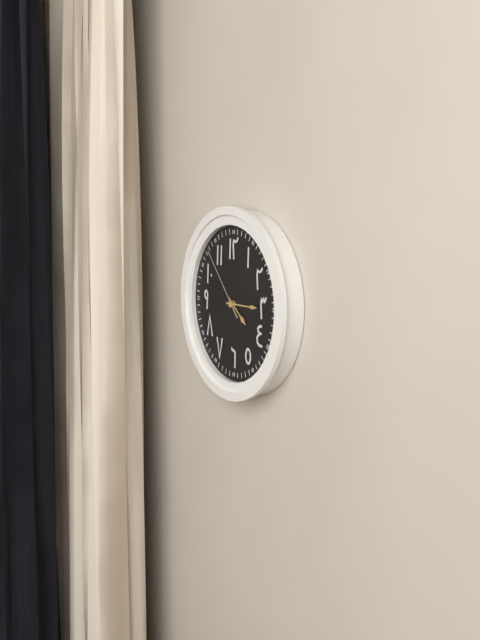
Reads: 4.15.53
